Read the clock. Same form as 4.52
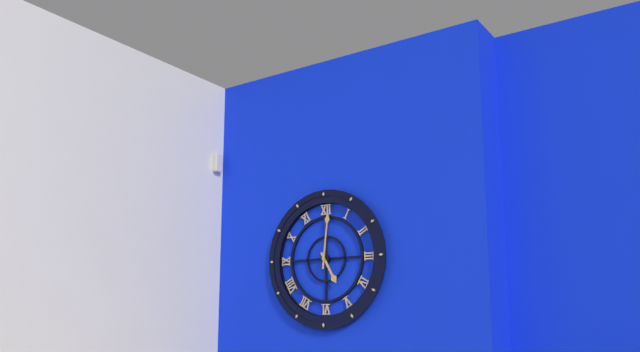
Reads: 5.01
